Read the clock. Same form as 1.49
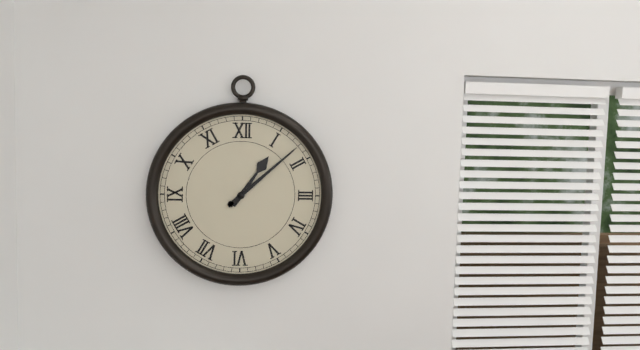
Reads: 1.08
